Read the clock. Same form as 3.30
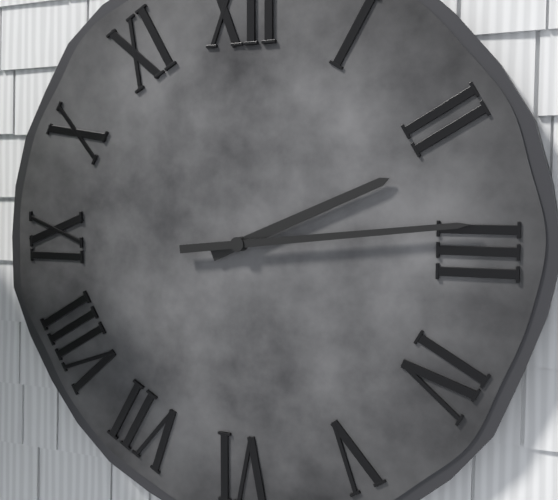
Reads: 2.14
